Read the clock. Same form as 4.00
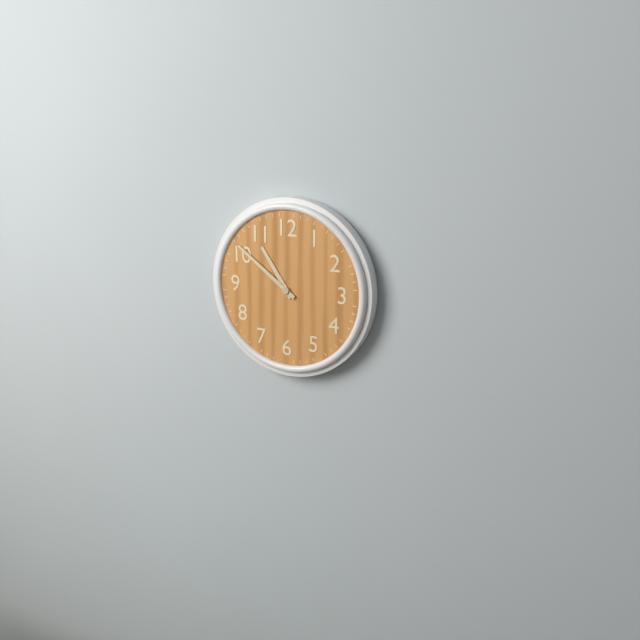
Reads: 10.51
